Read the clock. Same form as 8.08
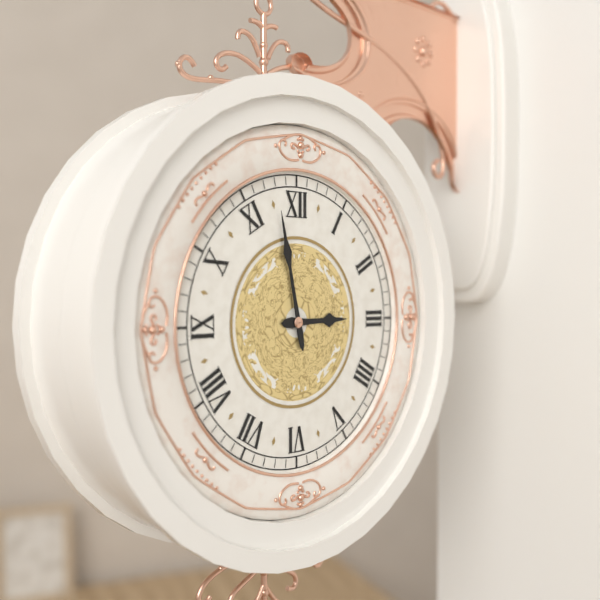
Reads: 2.58
